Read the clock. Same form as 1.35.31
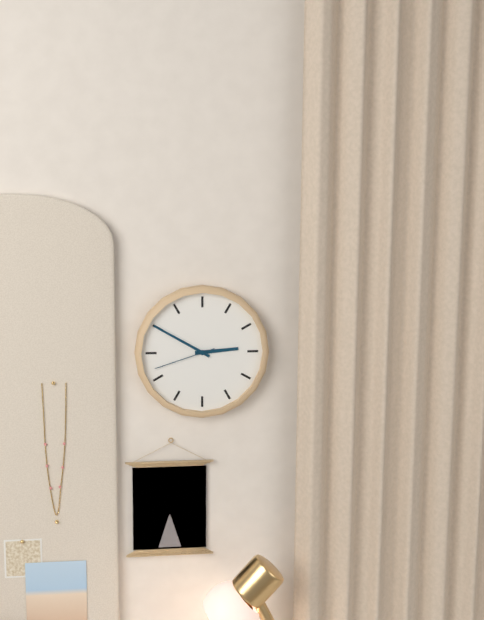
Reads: 2.50.42
